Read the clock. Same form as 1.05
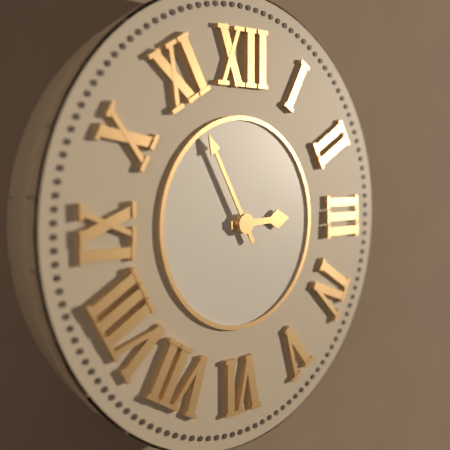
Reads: 2.55
